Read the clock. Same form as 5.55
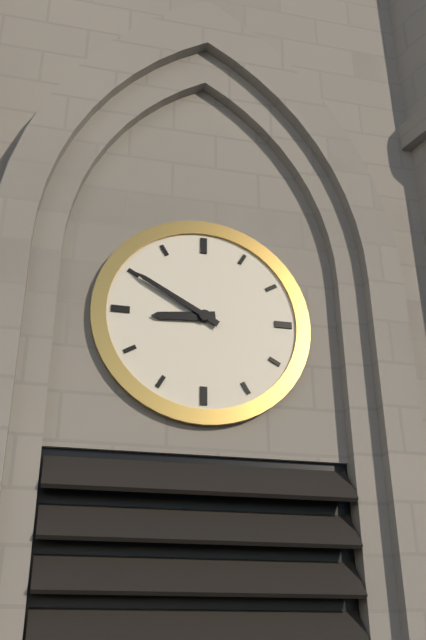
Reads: 8.50
